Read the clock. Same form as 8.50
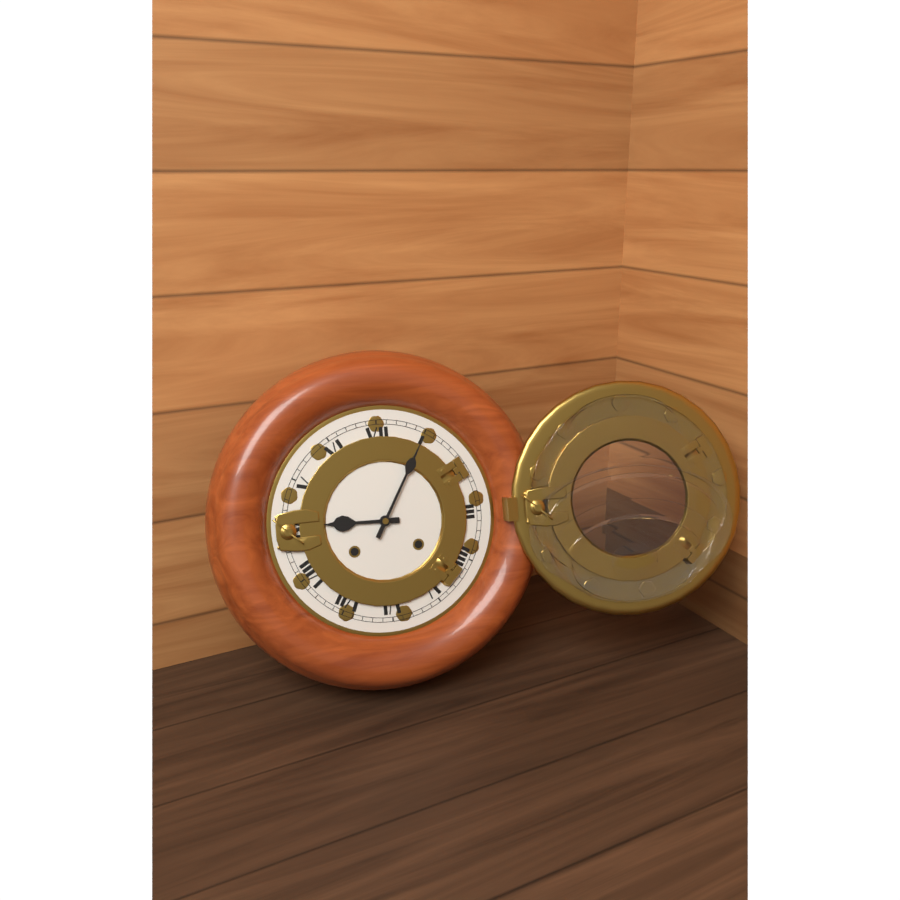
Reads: 9.05
